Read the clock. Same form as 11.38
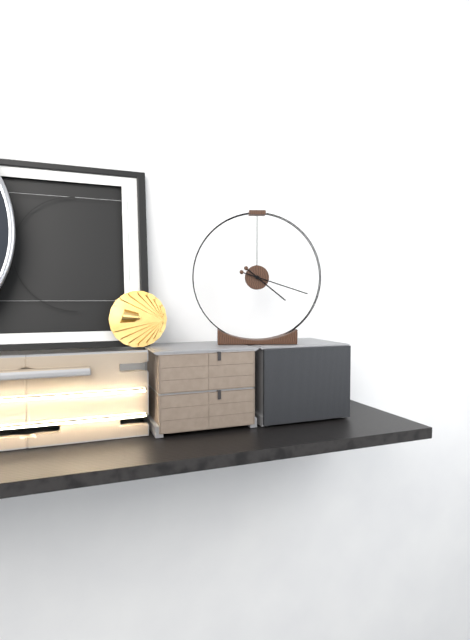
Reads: 4.18
